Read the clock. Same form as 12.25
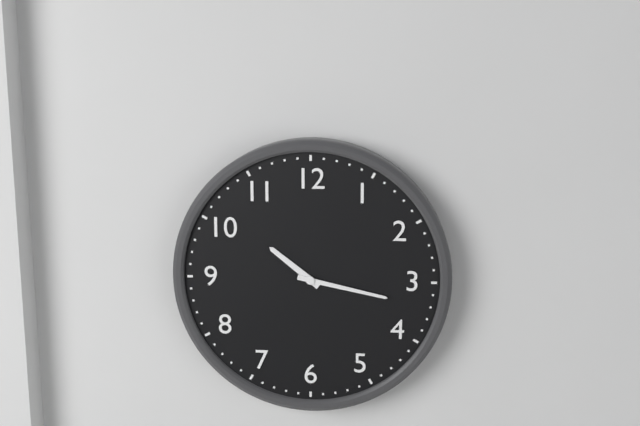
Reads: 10.17
